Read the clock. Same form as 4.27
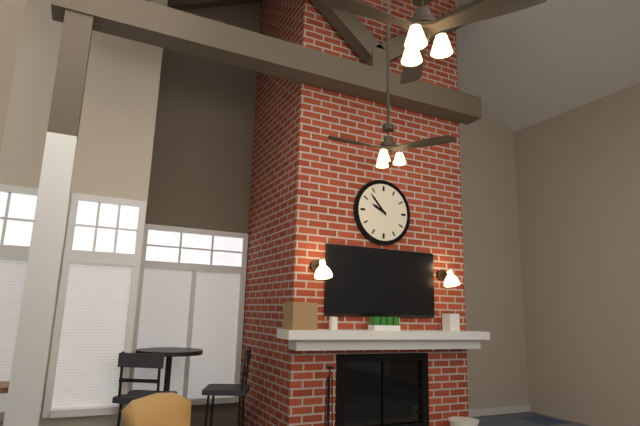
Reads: 9.53
